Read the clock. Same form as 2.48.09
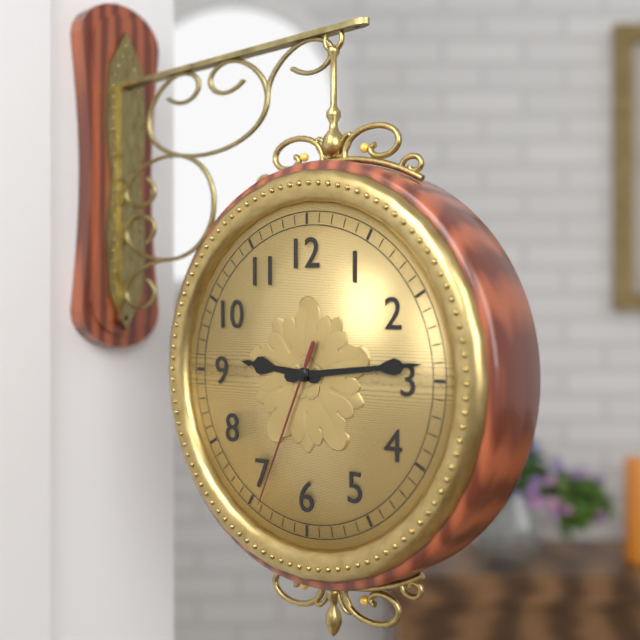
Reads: 9.14.34
